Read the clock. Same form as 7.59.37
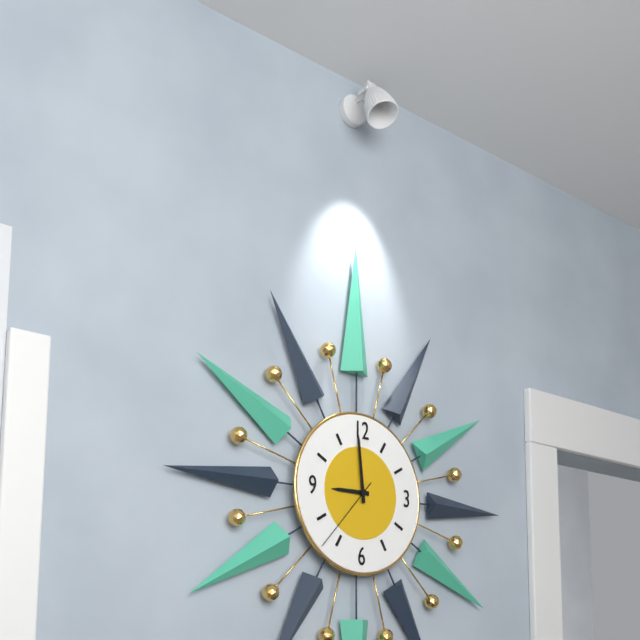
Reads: 8.59.37
